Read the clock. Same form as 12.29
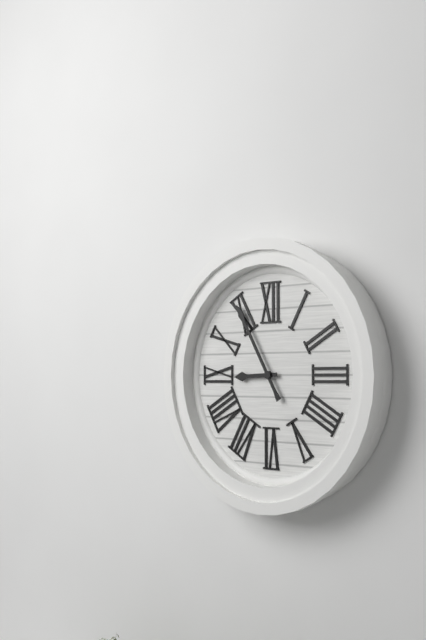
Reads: 8.55
